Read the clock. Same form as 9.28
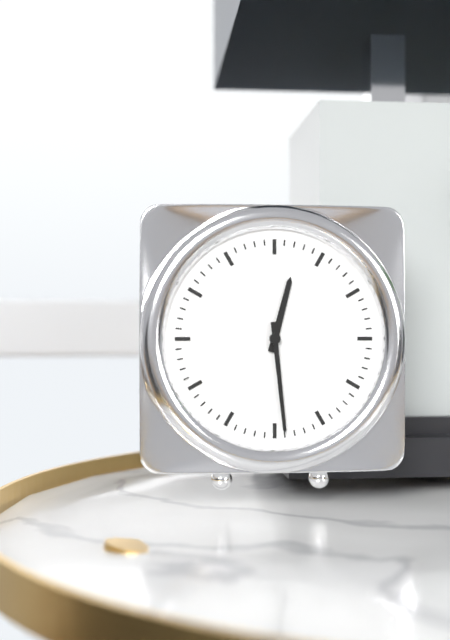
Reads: 12.29
